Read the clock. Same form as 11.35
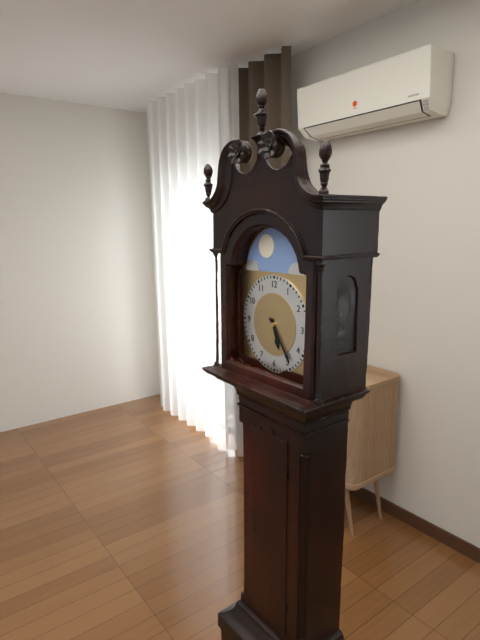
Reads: 5.24
